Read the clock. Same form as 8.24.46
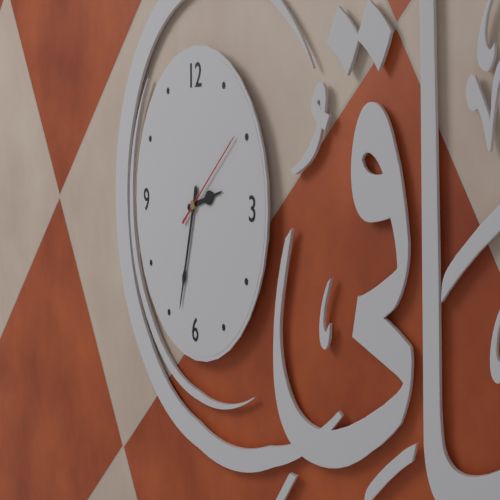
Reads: 2.33.09
